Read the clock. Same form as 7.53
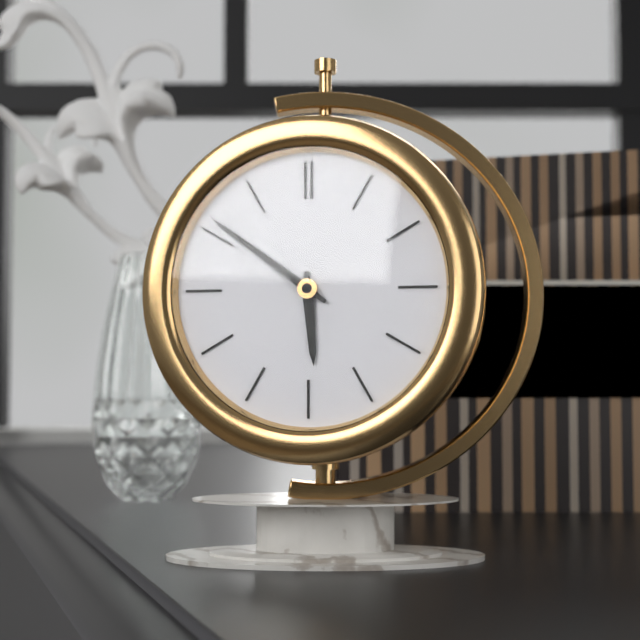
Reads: 5.51
